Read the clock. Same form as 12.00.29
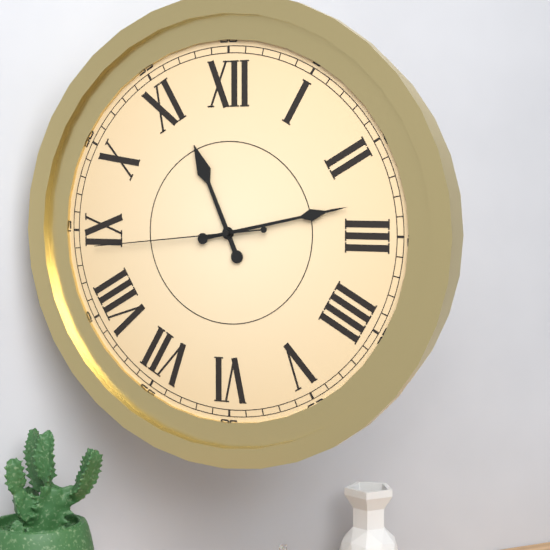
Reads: 11.13.44
